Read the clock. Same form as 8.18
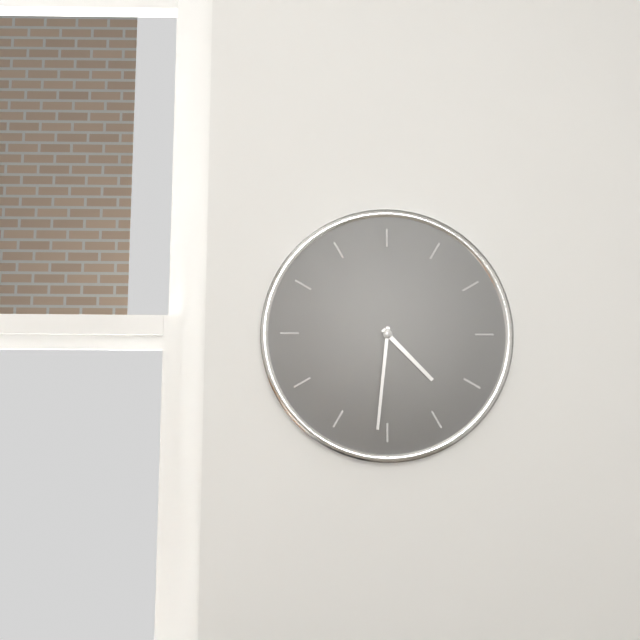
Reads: 4.31
